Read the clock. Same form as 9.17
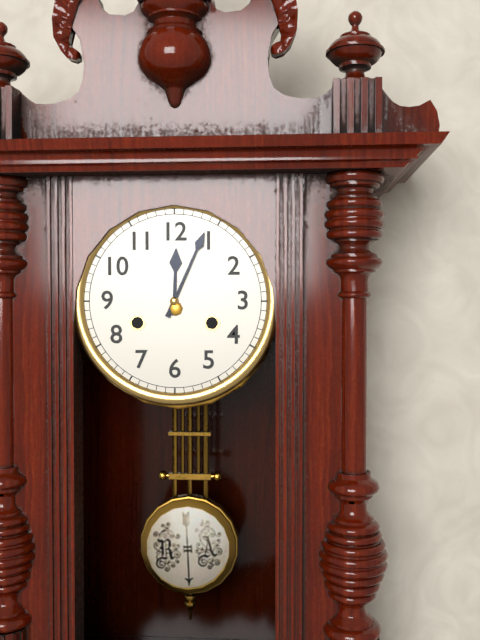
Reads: 12.04
